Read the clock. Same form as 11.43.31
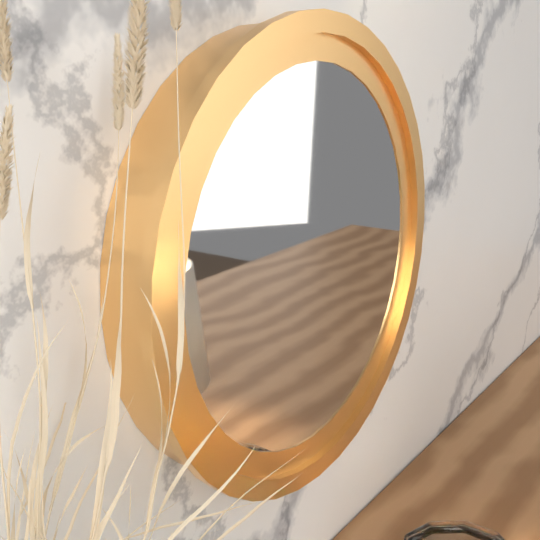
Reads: 7.21.06
